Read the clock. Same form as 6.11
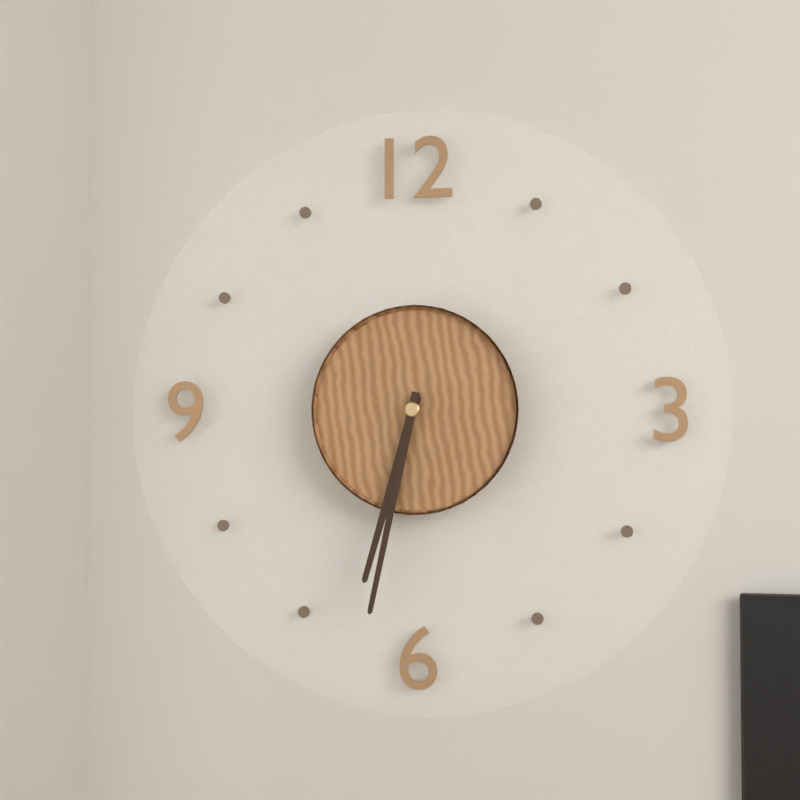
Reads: 6.32
